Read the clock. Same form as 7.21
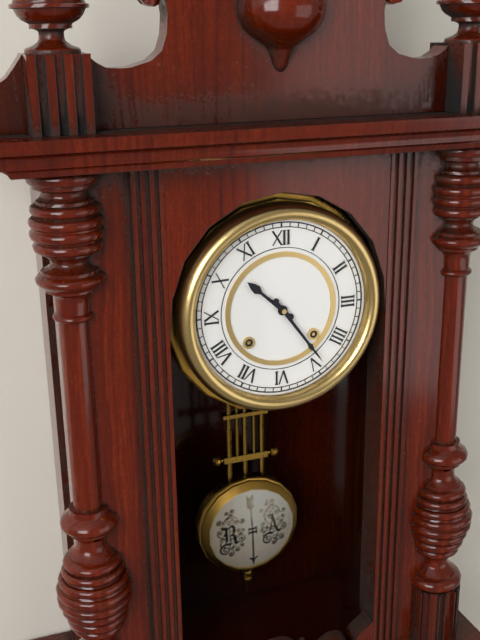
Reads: 10.24
